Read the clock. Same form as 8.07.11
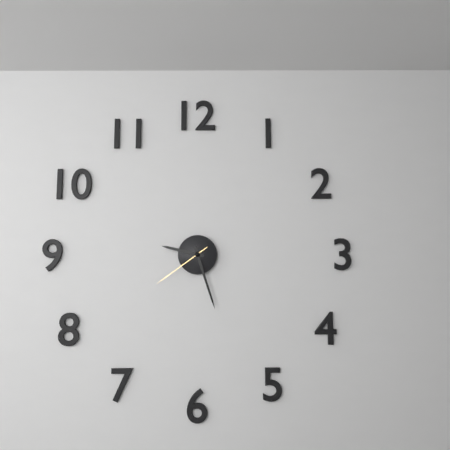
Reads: 9.27.39
